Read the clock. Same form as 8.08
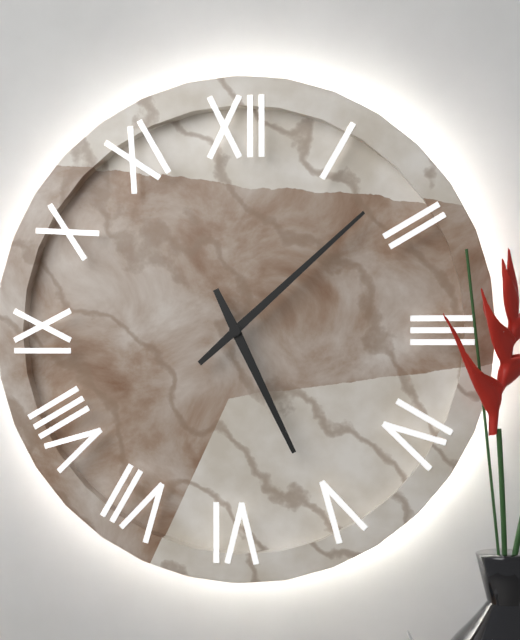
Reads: 5.08
